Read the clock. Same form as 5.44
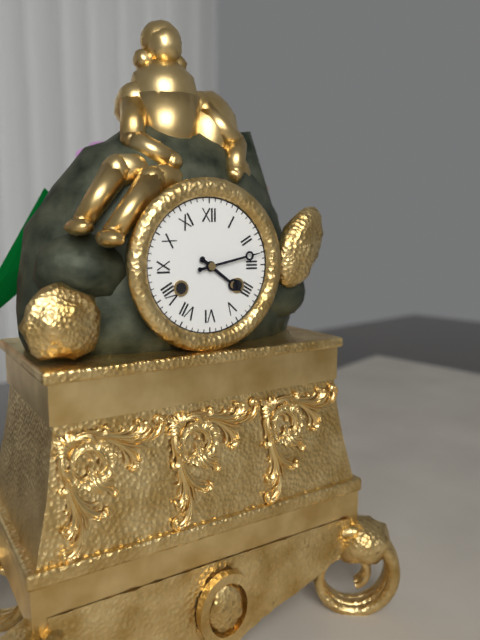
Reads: 4.13
